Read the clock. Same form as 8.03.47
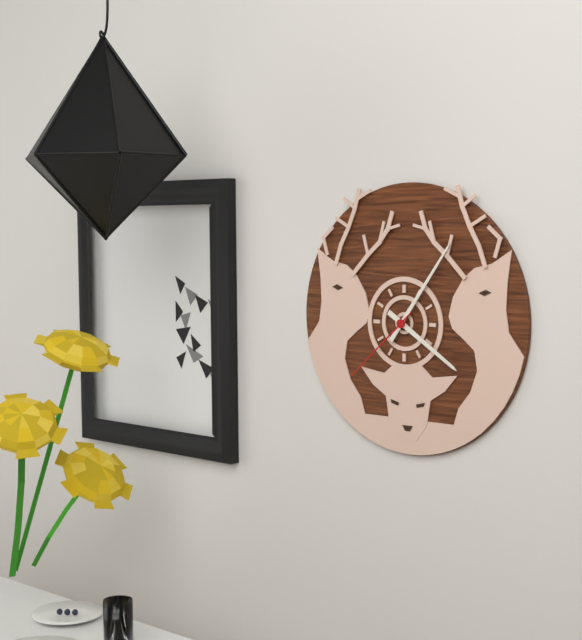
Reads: 4.06.38
